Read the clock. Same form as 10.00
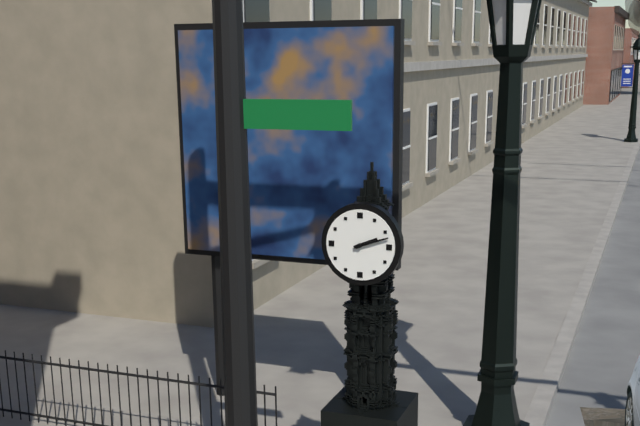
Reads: 2.12
